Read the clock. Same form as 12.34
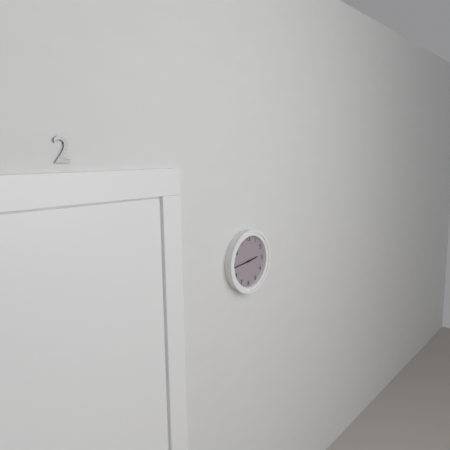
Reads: 2.44
